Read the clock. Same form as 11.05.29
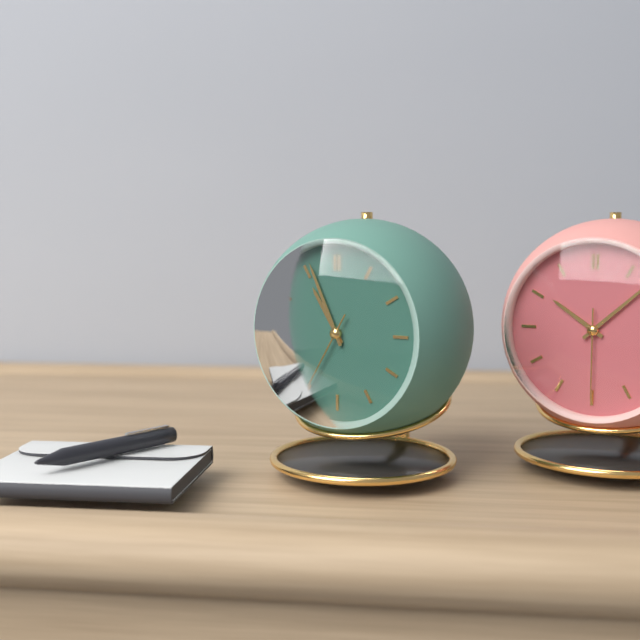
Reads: 10.56.35
